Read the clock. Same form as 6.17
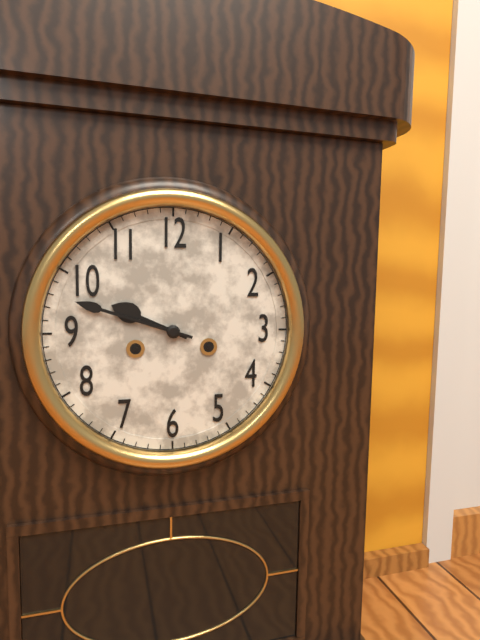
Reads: 9.48
